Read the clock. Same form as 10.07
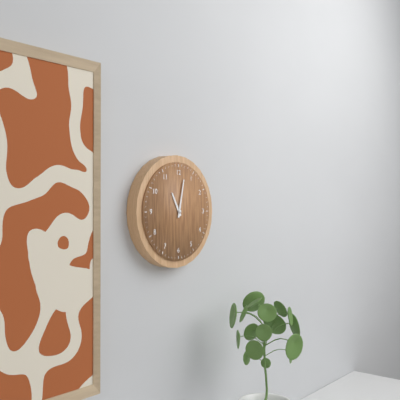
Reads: 11.02
